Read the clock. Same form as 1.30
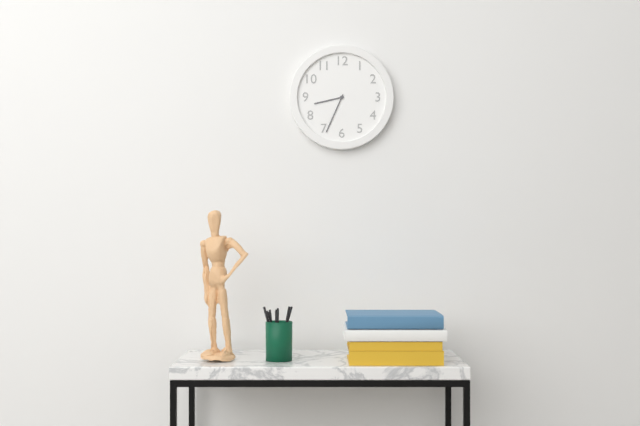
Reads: 8.34
